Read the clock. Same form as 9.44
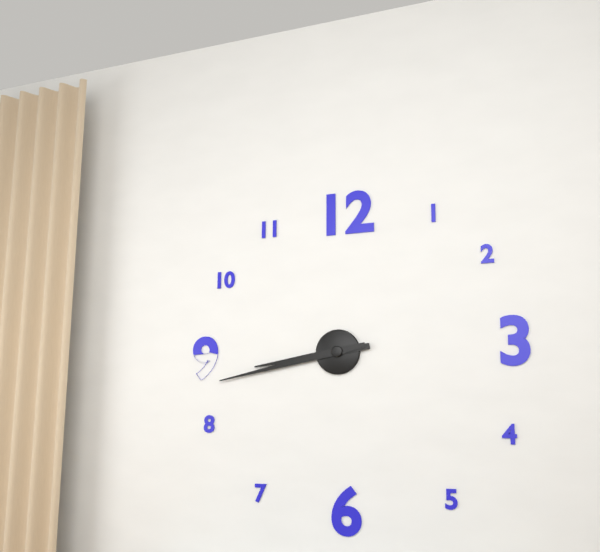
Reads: 8.43
